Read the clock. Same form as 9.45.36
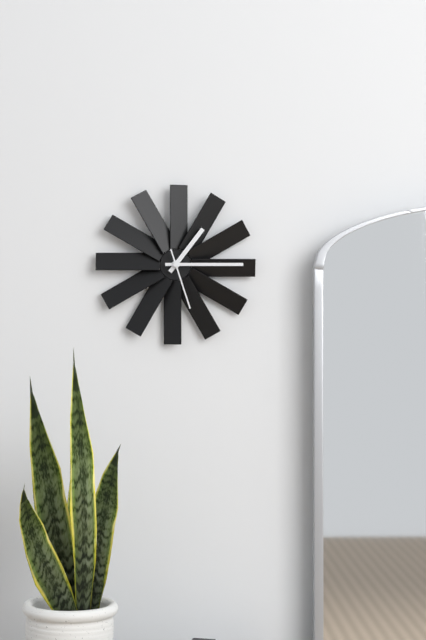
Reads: 1.15.27
